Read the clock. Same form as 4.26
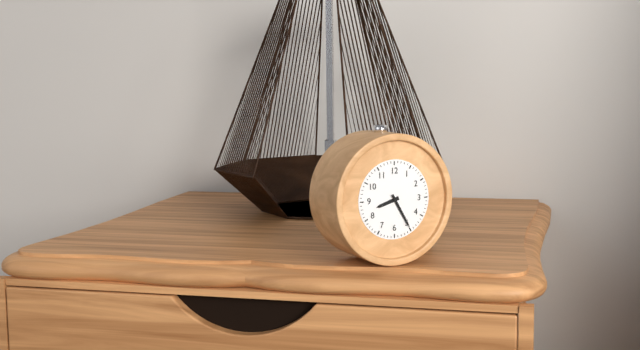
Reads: 8.25
